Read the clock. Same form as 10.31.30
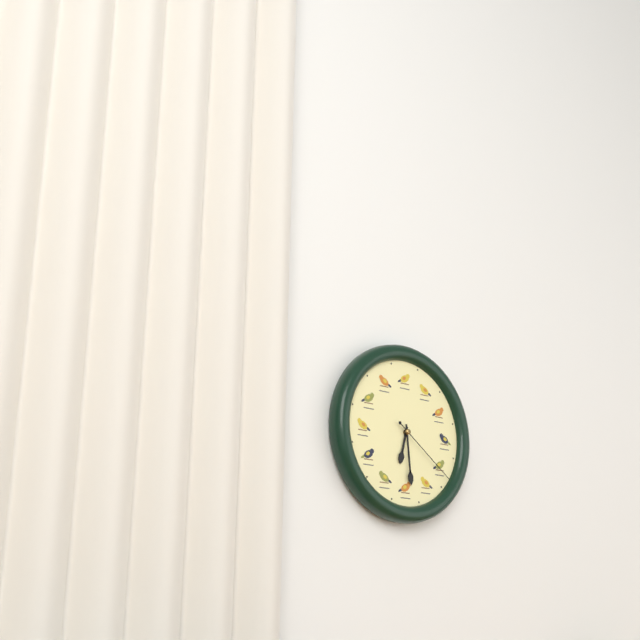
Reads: 6.29.21
